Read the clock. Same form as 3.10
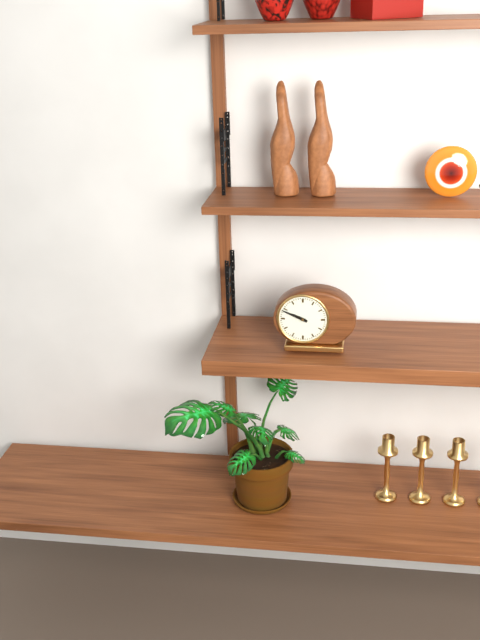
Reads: 9.49
